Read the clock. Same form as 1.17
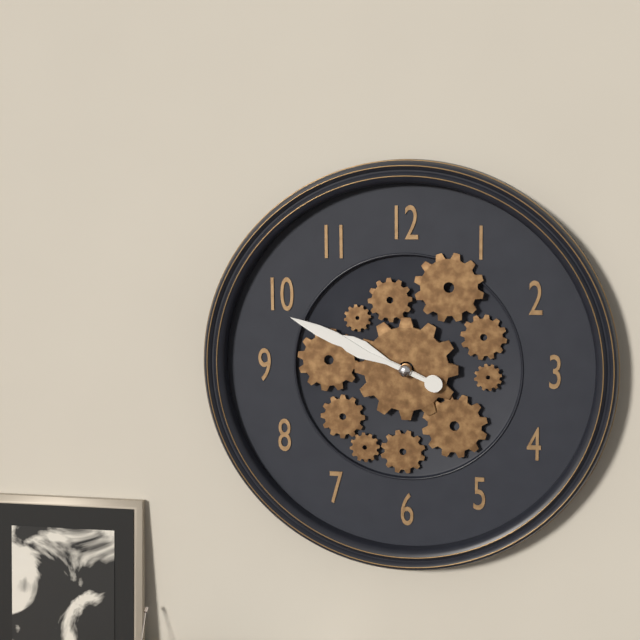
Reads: 9.49
